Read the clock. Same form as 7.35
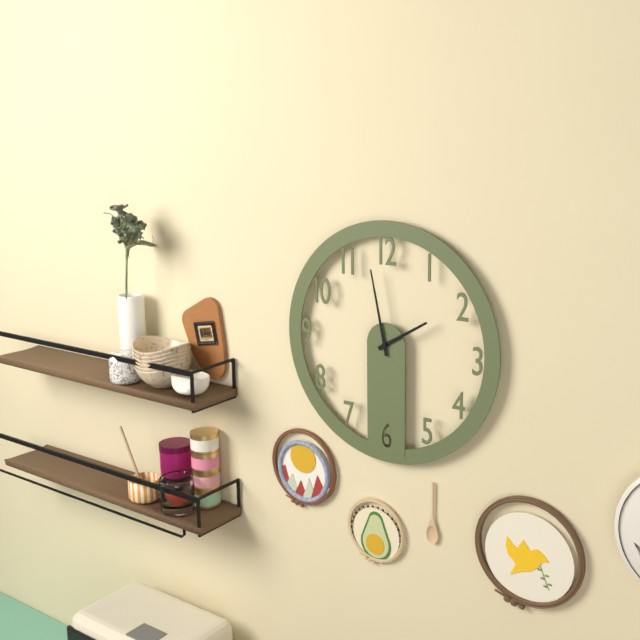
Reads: 1.58
